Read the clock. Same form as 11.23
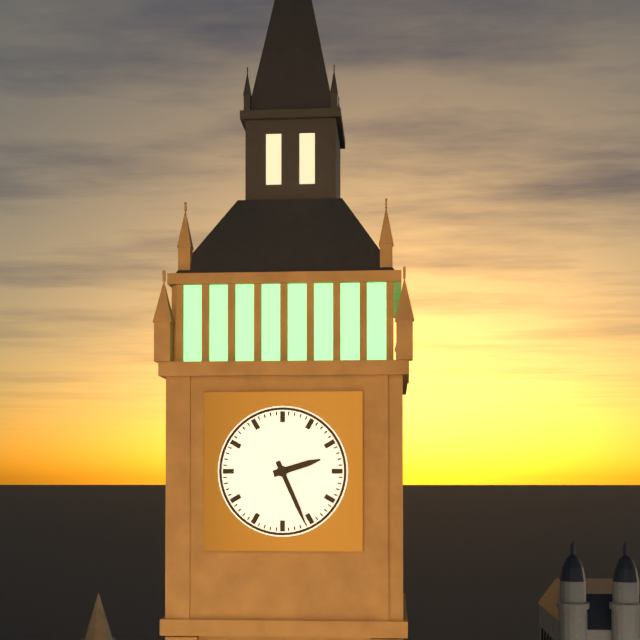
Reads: 2.26
